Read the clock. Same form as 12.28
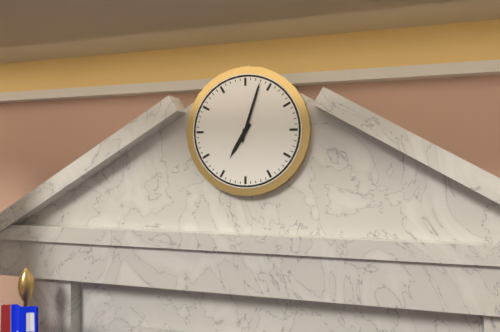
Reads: 7.03
